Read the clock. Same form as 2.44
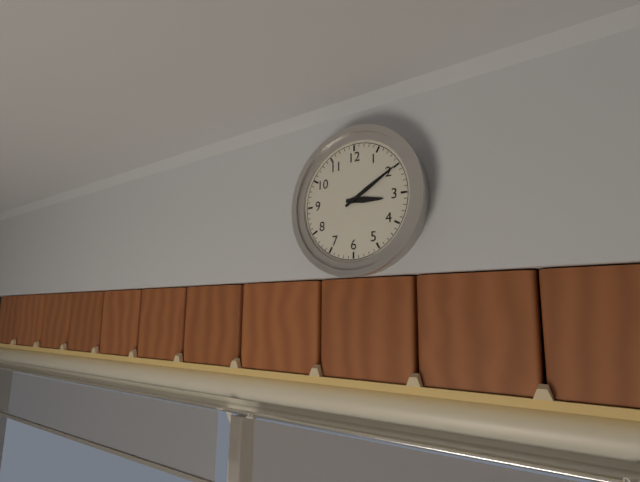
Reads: 3.10
